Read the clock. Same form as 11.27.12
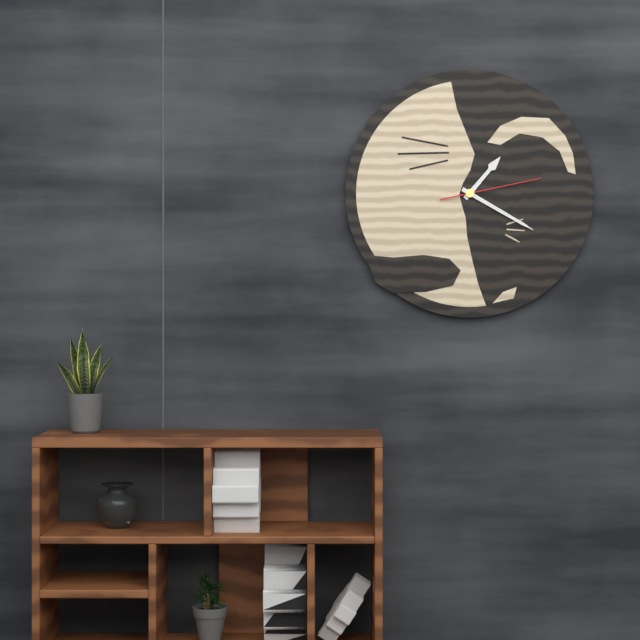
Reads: 1.20.13
